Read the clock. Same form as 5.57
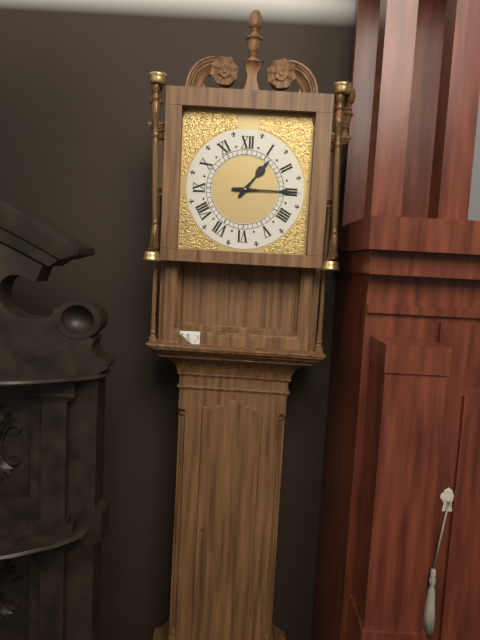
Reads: 1.15
